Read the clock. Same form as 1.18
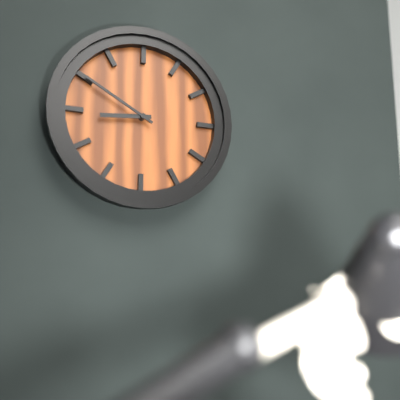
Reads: 8.50
